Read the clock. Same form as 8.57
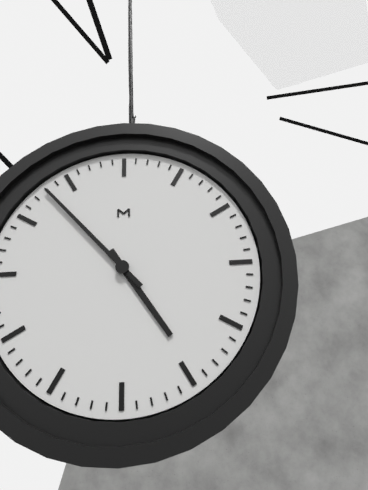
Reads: 4.53
